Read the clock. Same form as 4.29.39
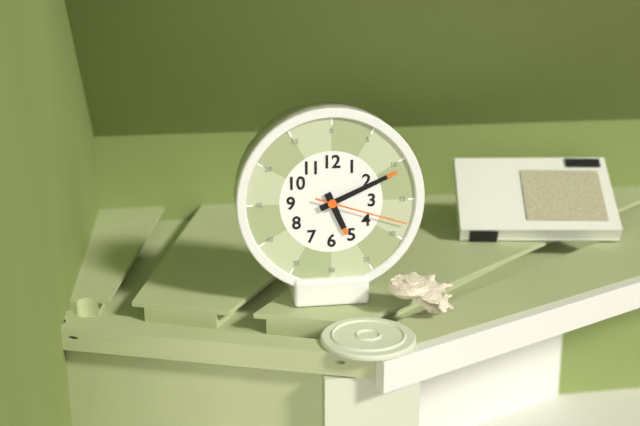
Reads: 5.11.18
